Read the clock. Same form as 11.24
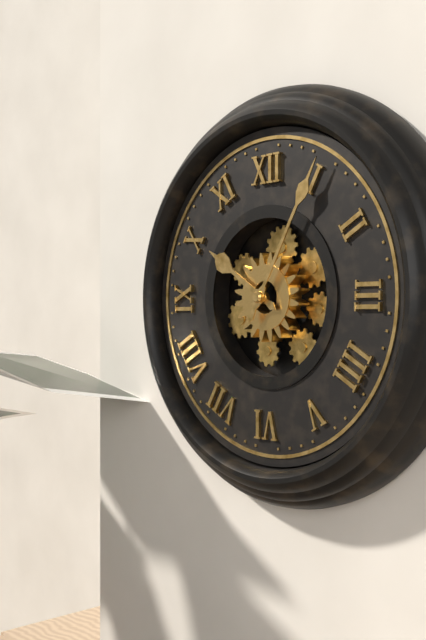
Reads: 10.05
